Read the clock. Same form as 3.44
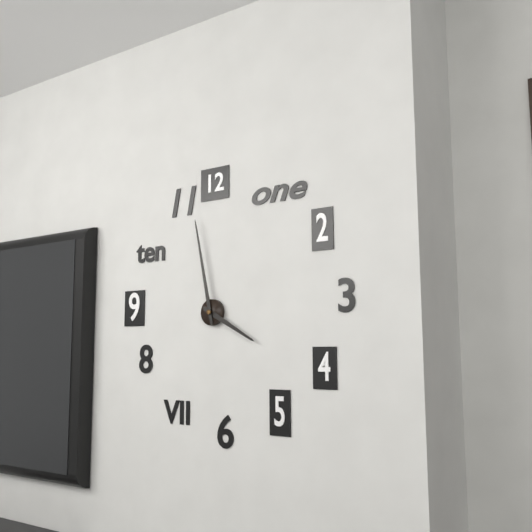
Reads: 3.58
